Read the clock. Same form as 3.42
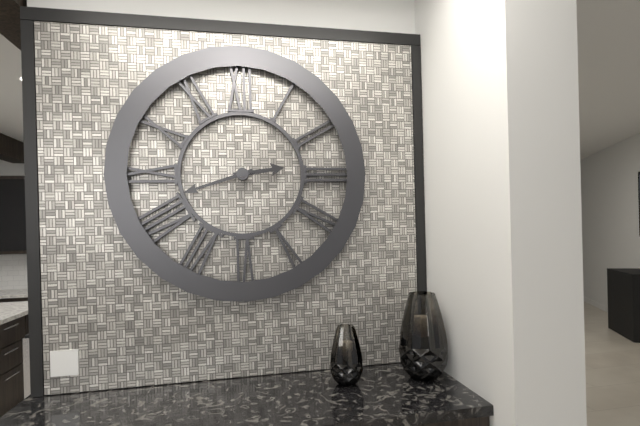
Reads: 2.42
